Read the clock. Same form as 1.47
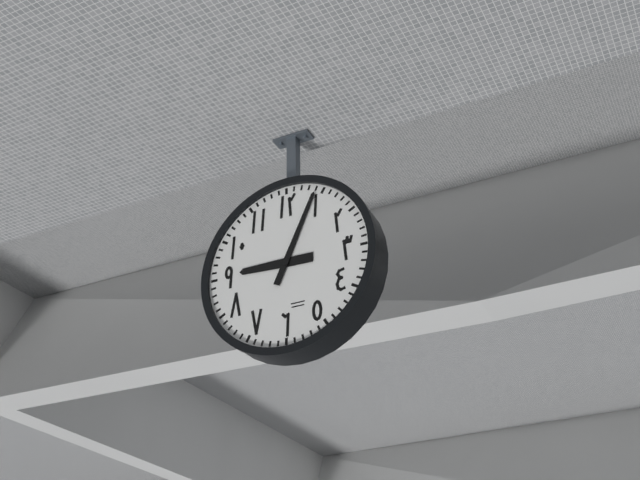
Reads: 9.04
